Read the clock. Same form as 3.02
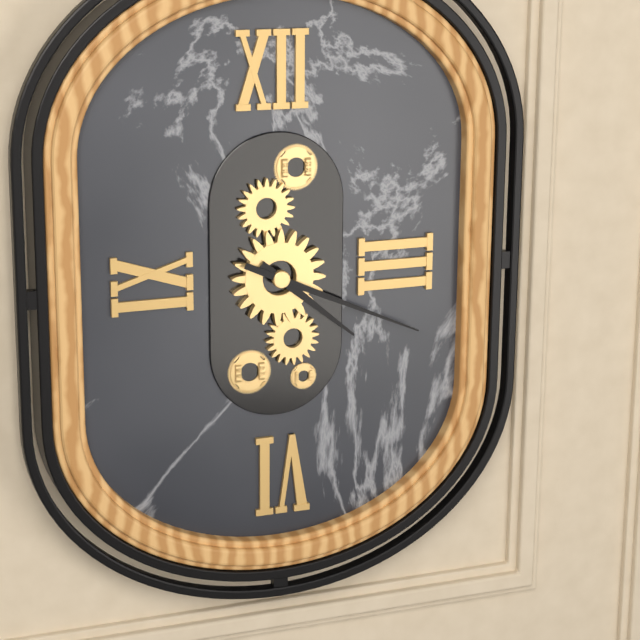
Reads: 4.19
